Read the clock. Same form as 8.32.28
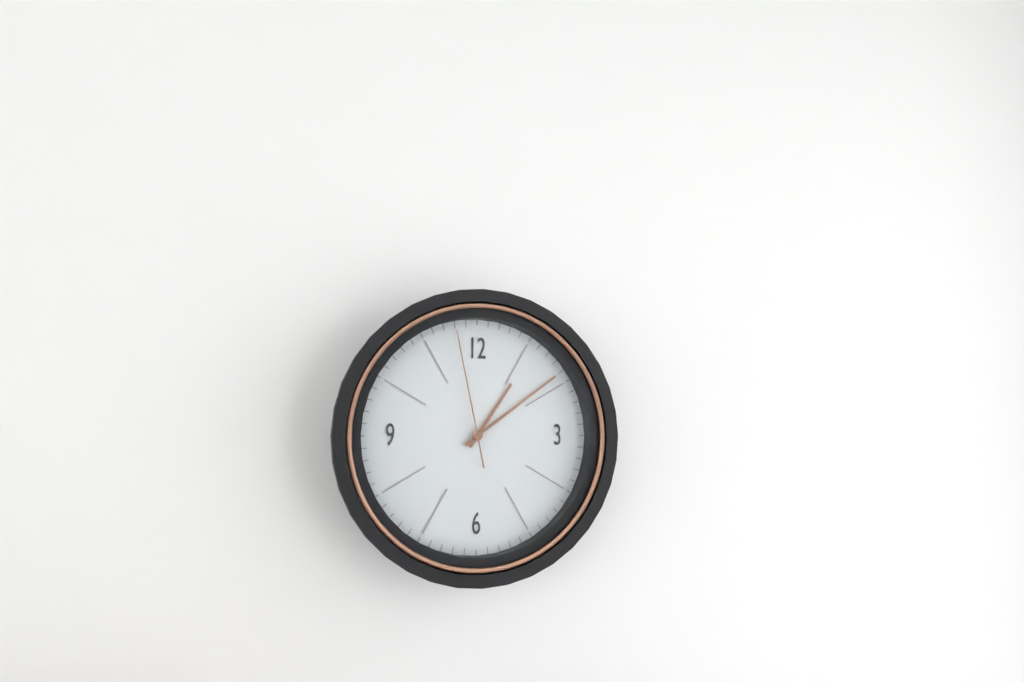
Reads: 1.09.58
